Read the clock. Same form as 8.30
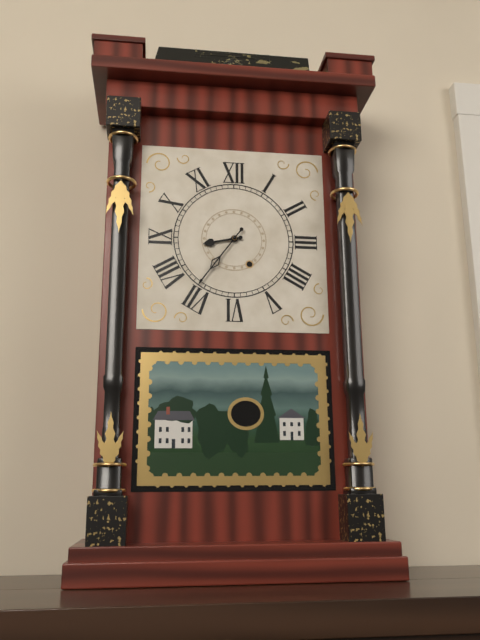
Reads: 8.36
